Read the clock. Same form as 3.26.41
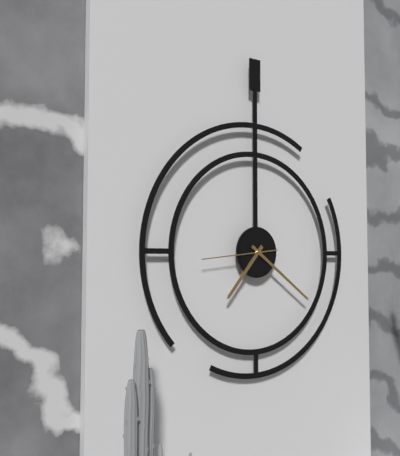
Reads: 7.21.44
